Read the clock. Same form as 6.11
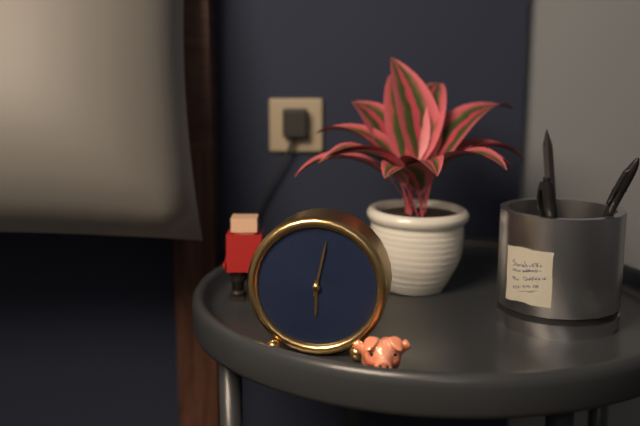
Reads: 6.02
